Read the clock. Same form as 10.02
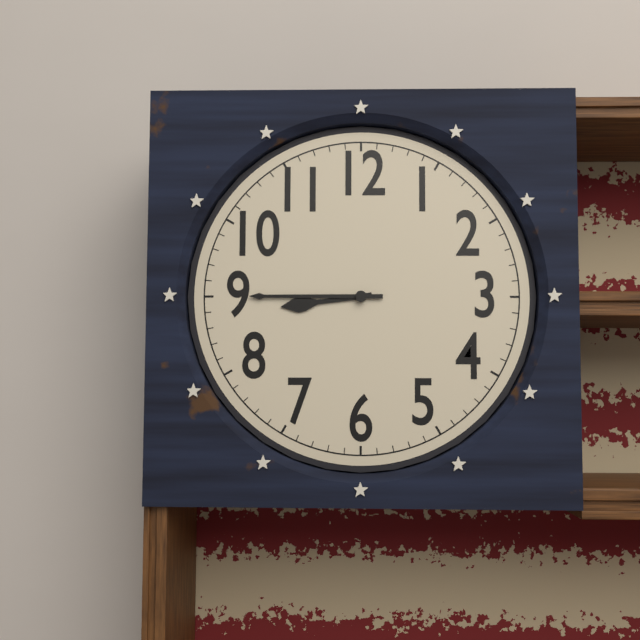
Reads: 8.45
